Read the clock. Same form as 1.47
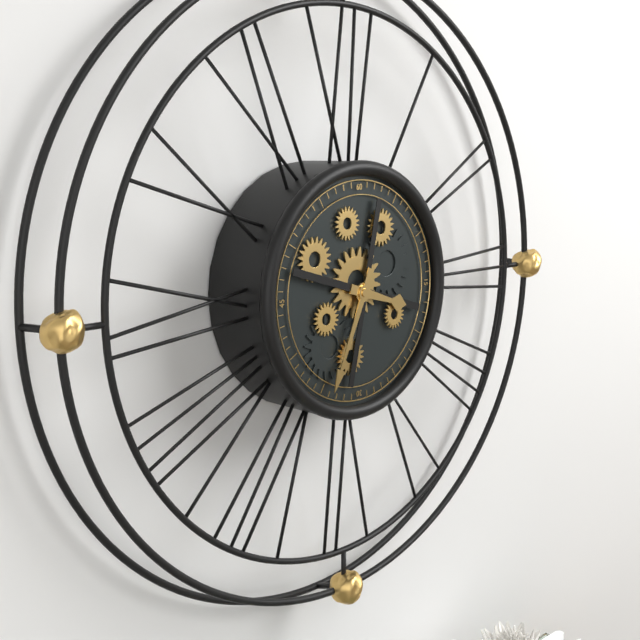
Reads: 3.34
